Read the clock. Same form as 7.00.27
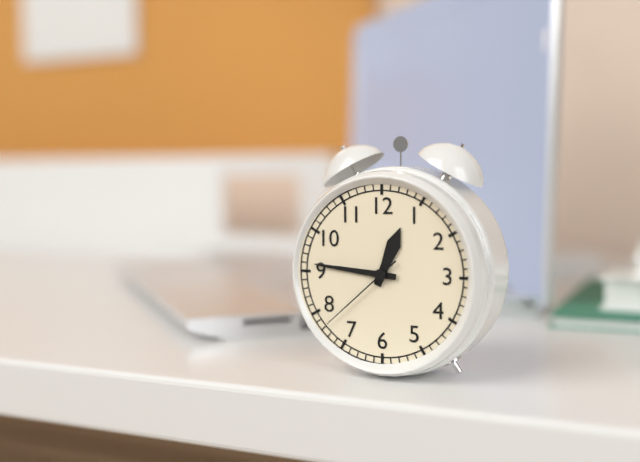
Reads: 12.46.38
